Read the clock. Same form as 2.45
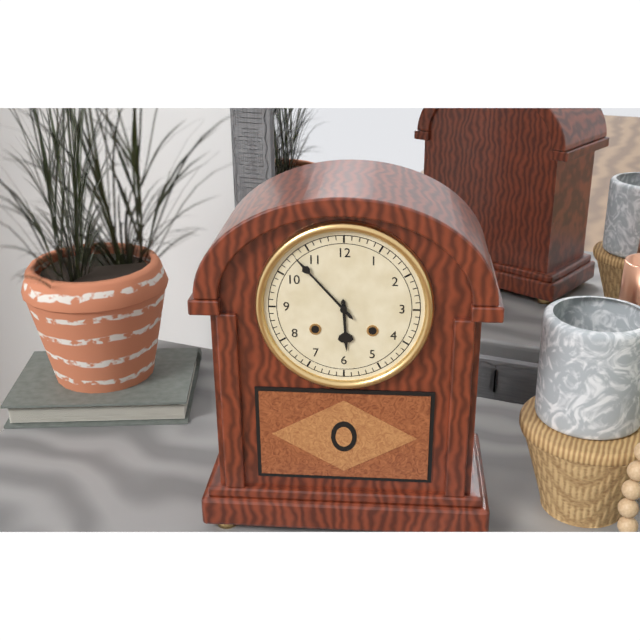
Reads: 5.53
